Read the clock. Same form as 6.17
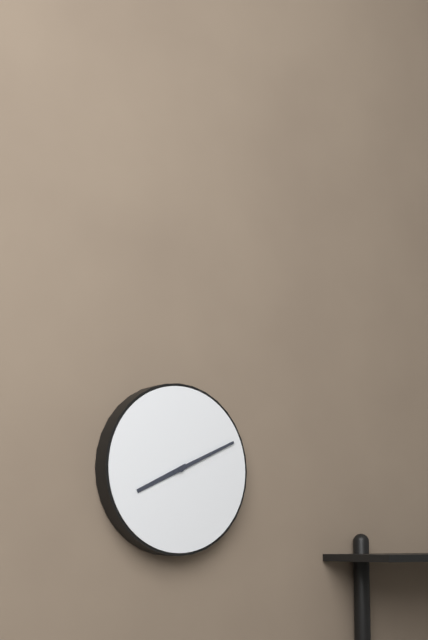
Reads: 8.11
